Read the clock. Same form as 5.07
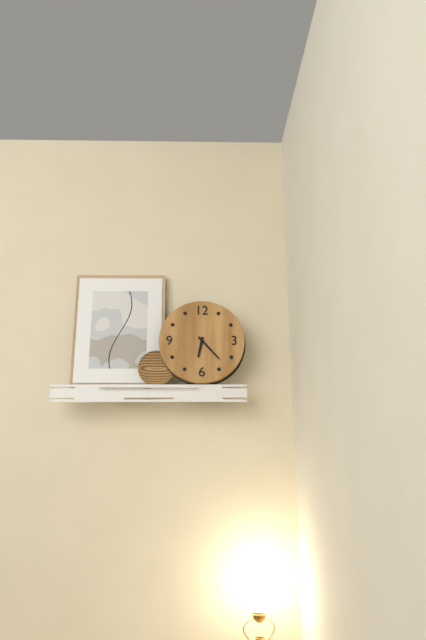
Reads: 6.23
